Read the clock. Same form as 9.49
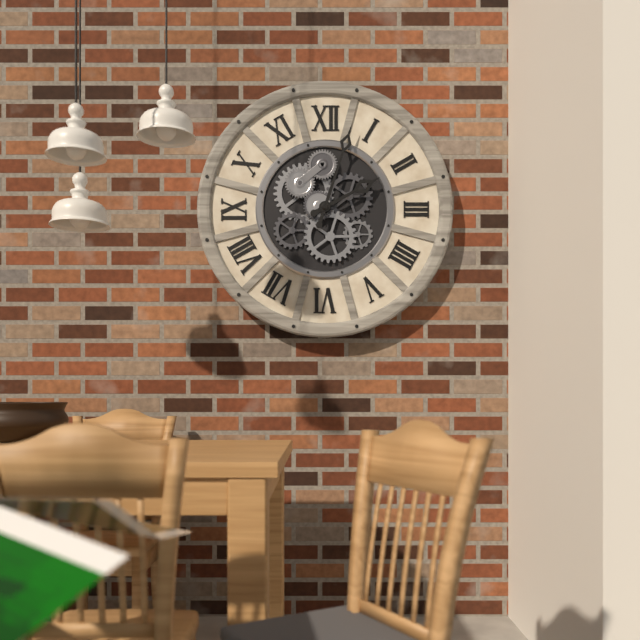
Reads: 2.03
